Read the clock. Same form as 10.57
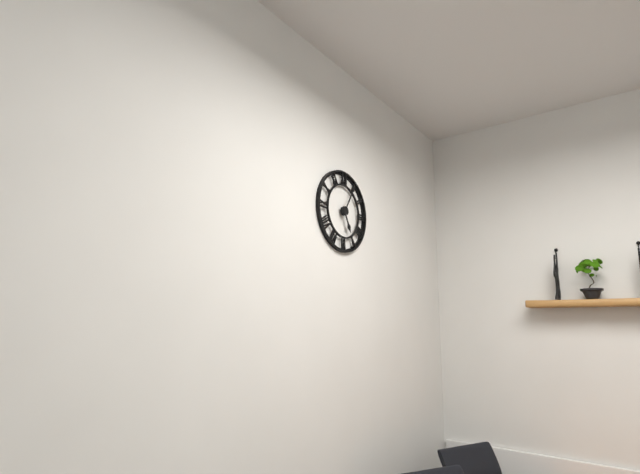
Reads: 5.05
